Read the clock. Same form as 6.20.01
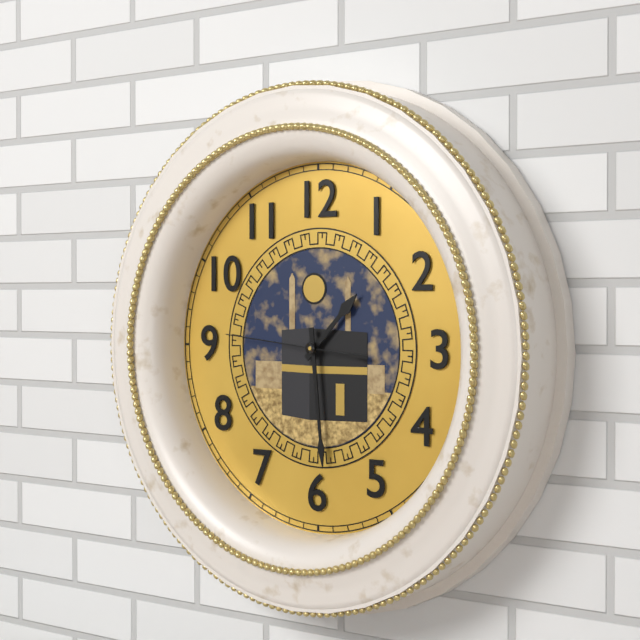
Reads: 1.29.46
